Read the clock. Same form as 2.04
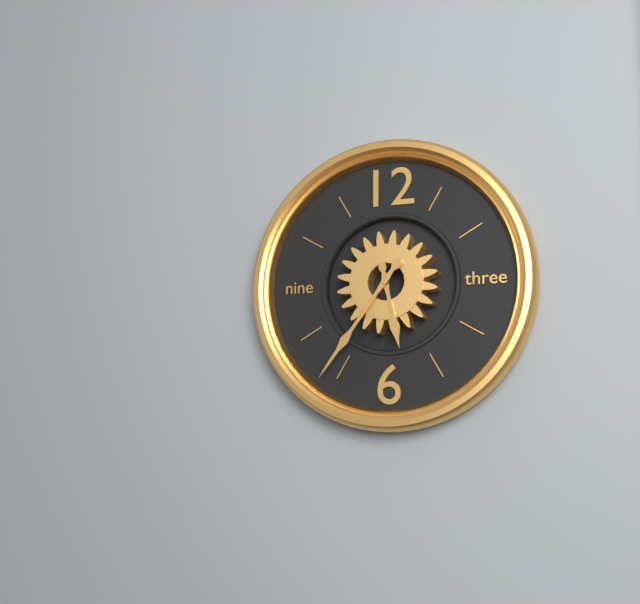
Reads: 5.36
